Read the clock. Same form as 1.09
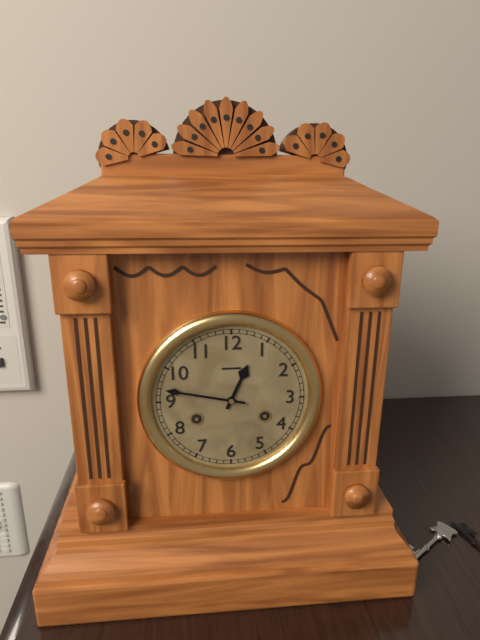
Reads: 12.47
